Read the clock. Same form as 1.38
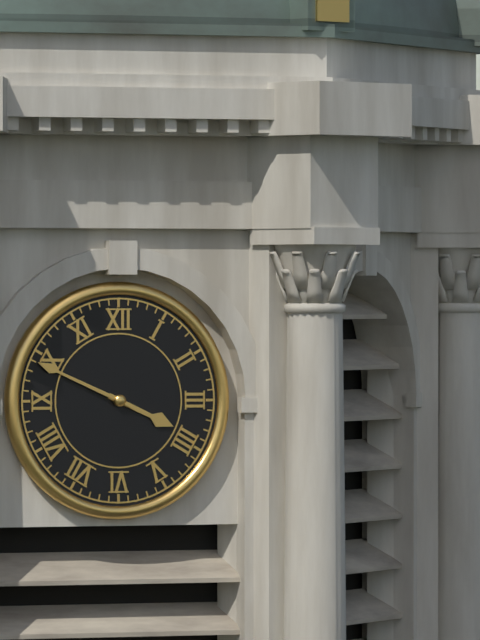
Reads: 3.49
